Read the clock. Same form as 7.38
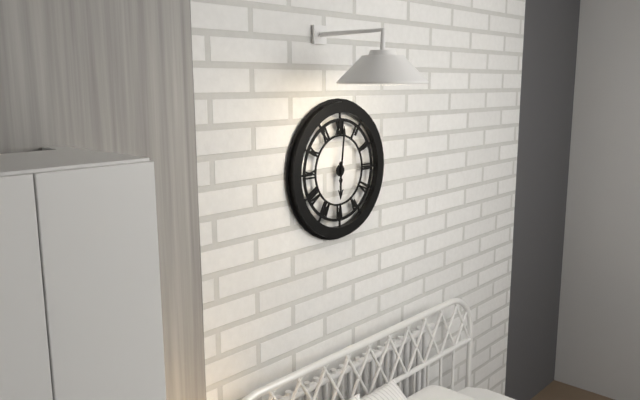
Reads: 6.01
